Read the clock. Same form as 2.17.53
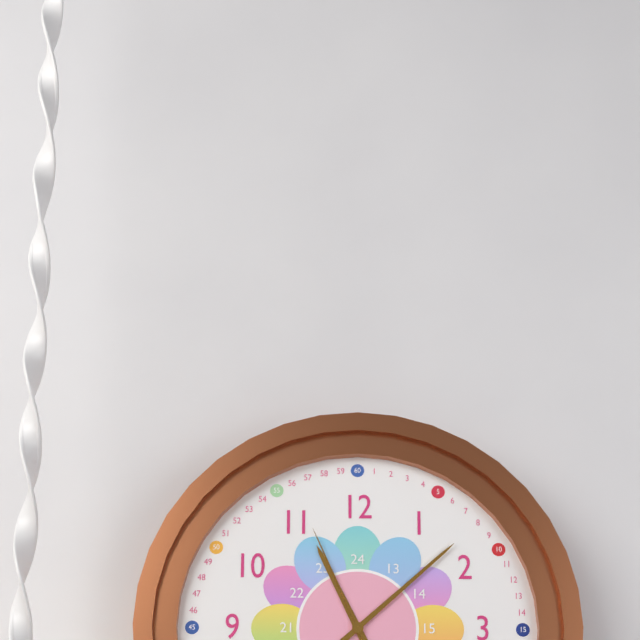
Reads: 11.08.56
